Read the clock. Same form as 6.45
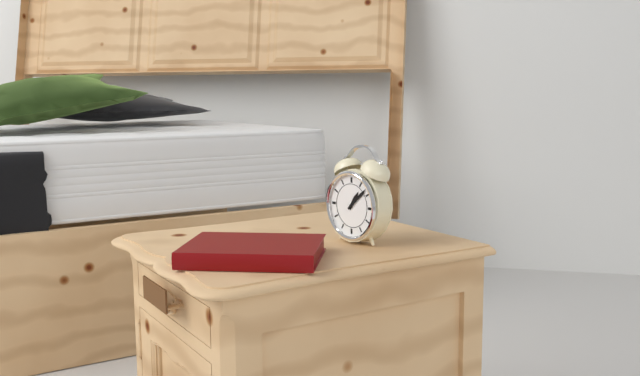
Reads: 1.08
